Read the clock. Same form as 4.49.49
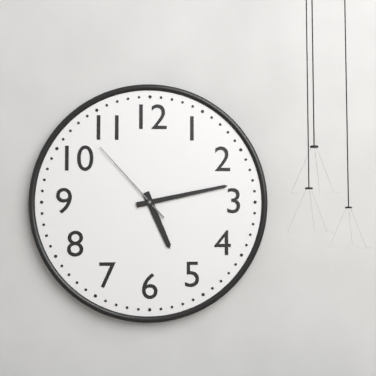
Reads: 5.13.53
